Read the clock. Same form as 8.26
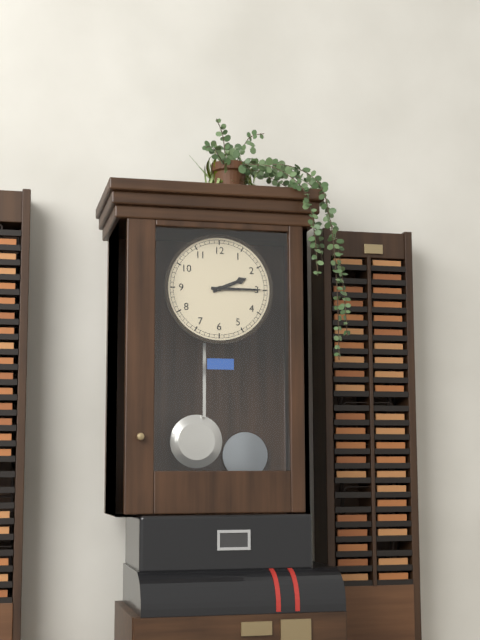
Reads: 2.15
